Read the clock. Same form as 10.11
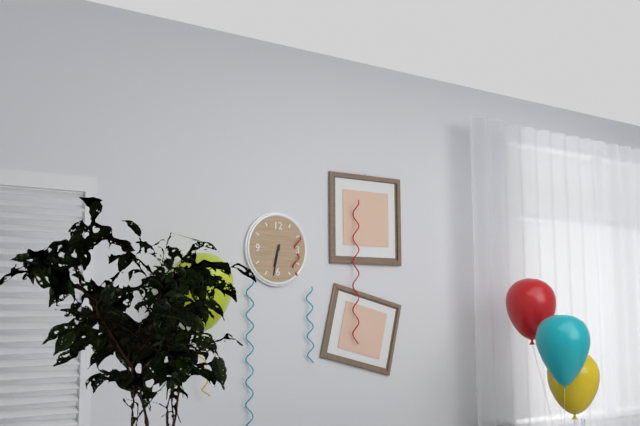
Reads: 6.32
